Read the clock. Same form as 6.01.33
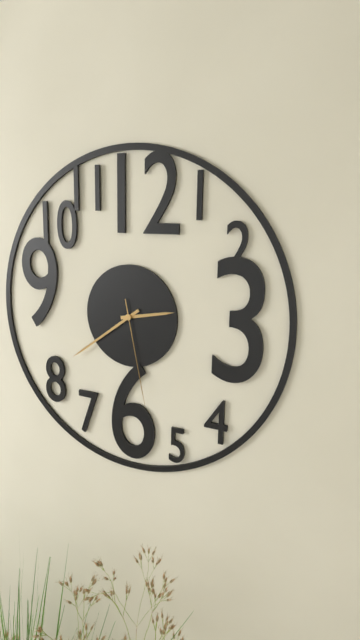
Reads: 2.39.28
